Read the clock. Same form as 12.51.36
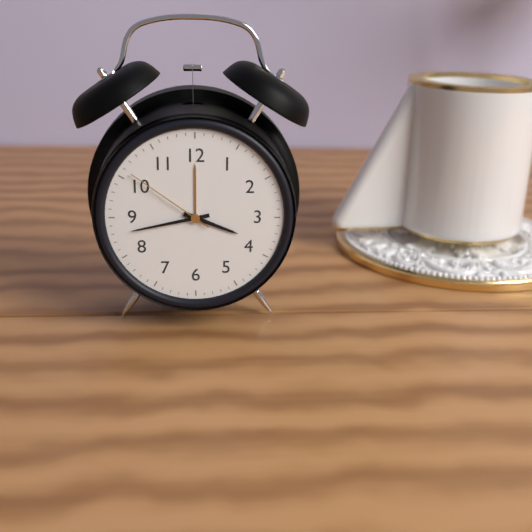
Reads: 3.43.51
